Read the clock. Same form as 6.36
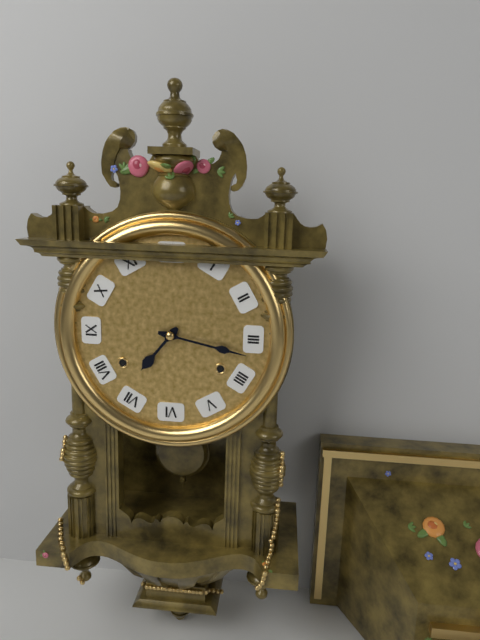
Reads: 7.17
